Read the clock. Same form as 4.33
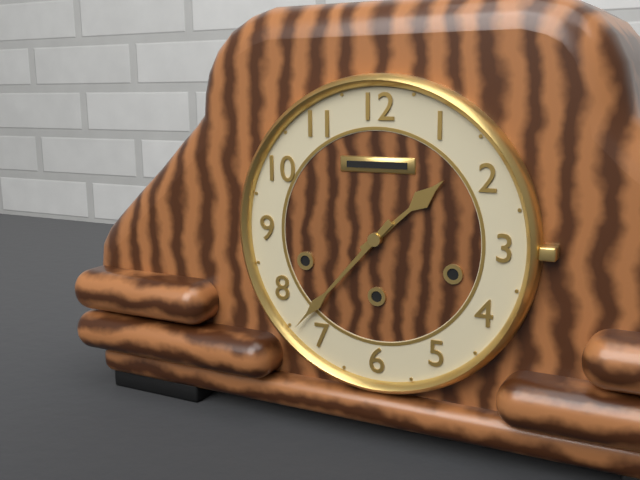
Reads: 1.37
